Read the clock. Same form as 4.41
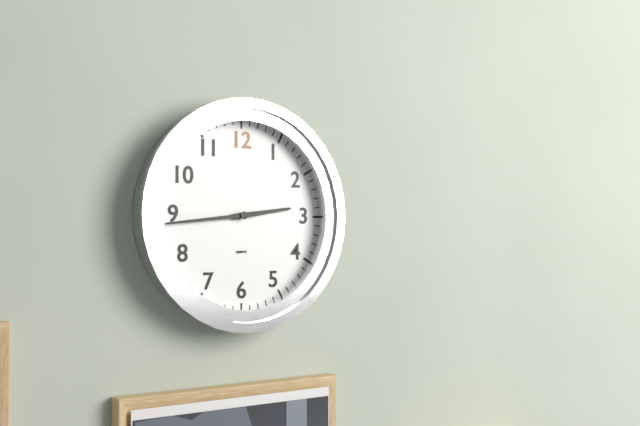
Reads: 2.44
